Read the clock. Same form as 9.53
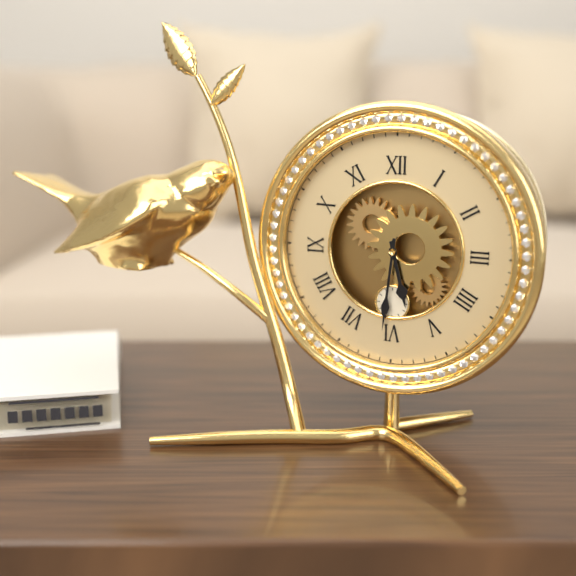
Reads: 5.31
